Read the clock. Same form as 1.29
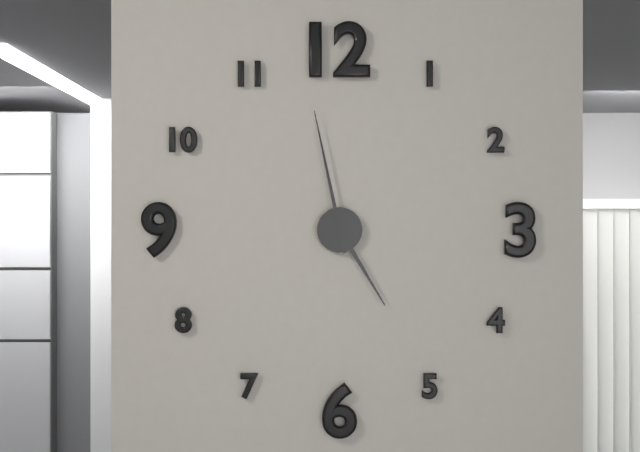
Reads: 4.58
